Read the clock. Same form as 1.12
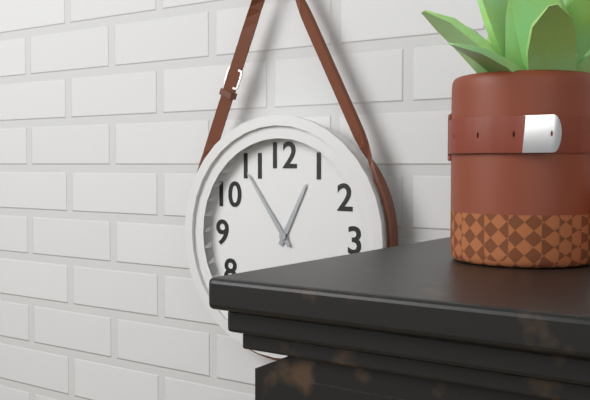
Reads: 12.54
